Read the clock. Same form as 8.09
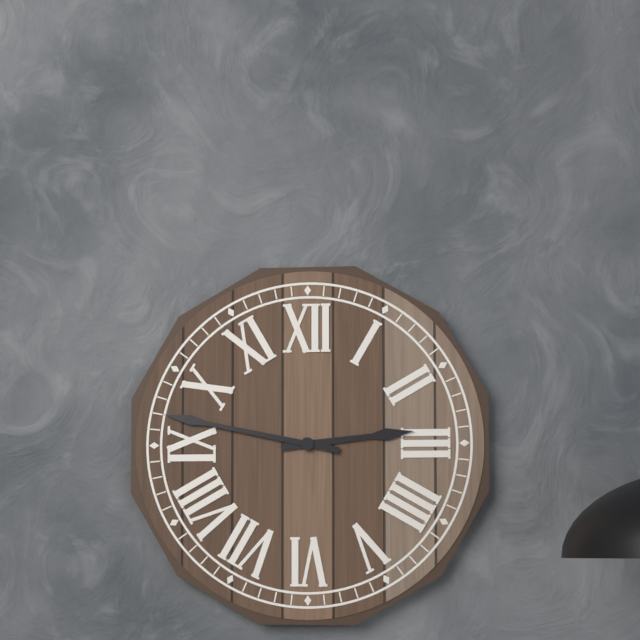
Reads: 2.47
